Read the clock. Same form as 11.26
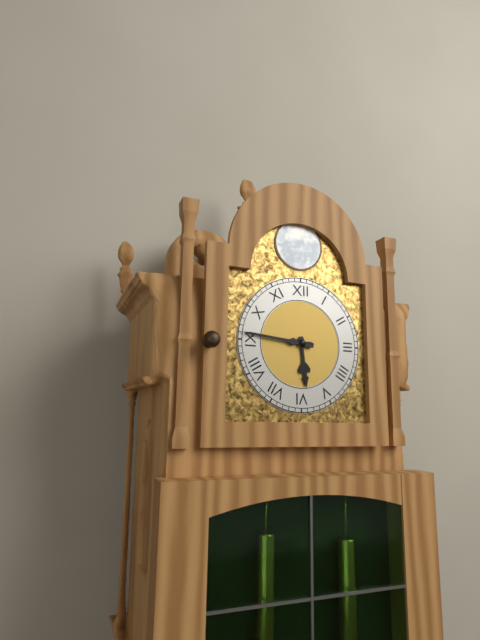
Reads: 5.46
